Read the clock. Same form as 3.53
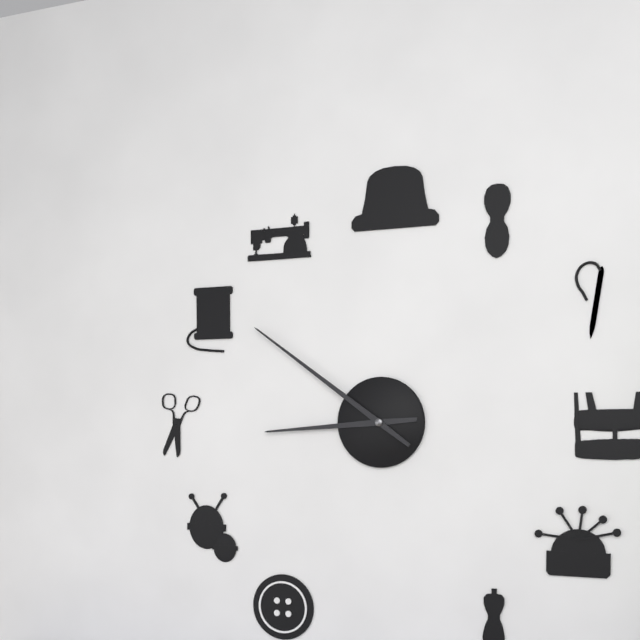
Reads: 8.51
